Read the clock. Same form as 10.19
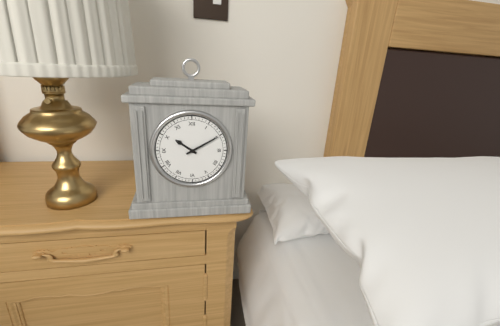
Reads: 10.10
